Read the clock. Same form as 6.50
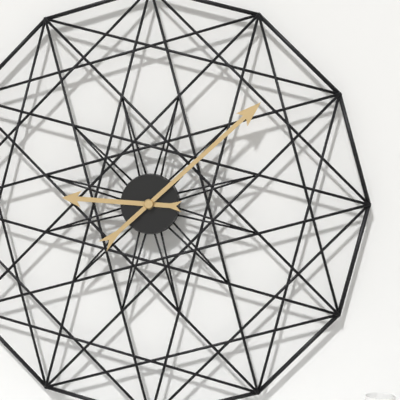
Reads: 9.08
